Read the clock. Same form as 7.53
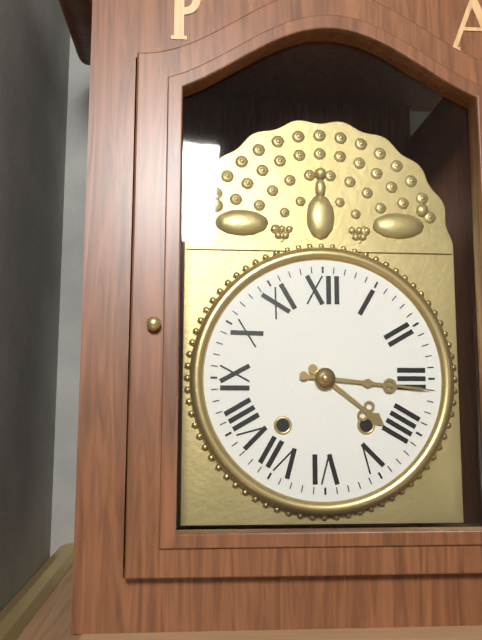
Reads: 4.16
